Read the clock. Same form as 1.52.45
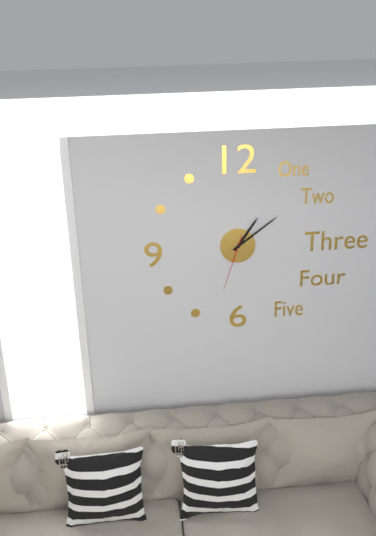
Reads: 1.09.33
